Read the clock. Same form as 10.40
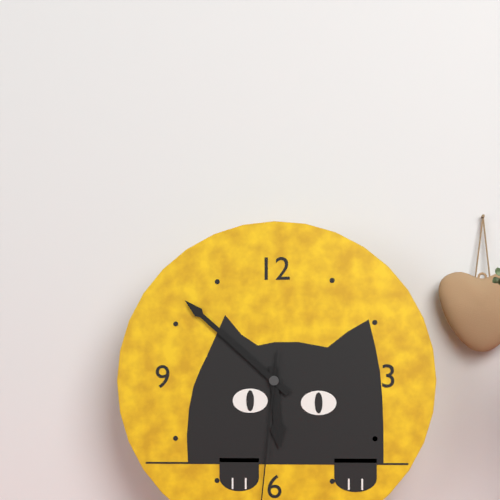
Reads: 5.52
